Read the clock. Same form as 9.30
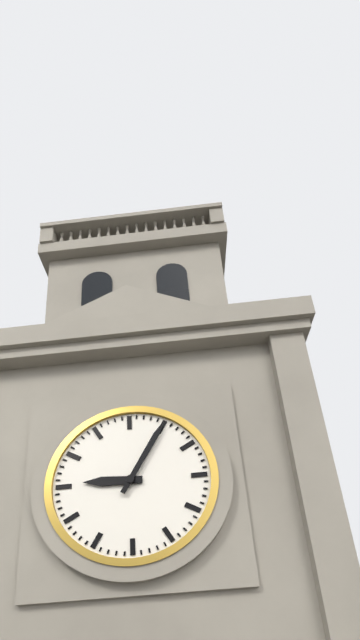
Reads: 9.05
